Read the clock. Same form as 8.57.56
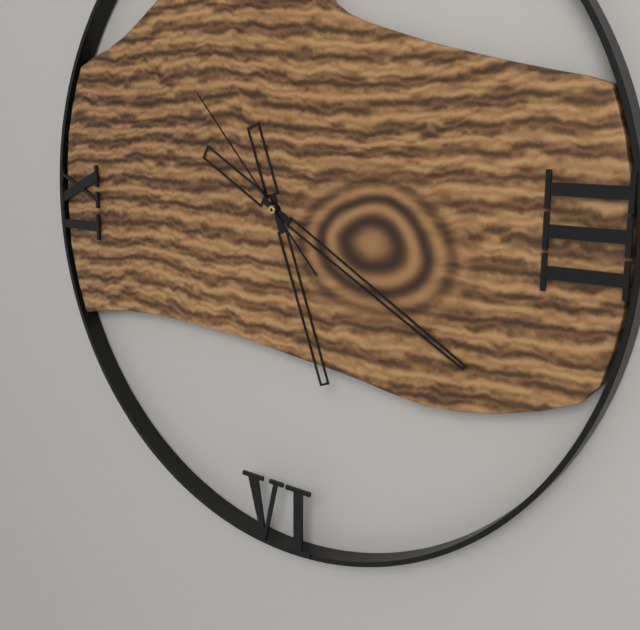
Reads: 5.20.53
